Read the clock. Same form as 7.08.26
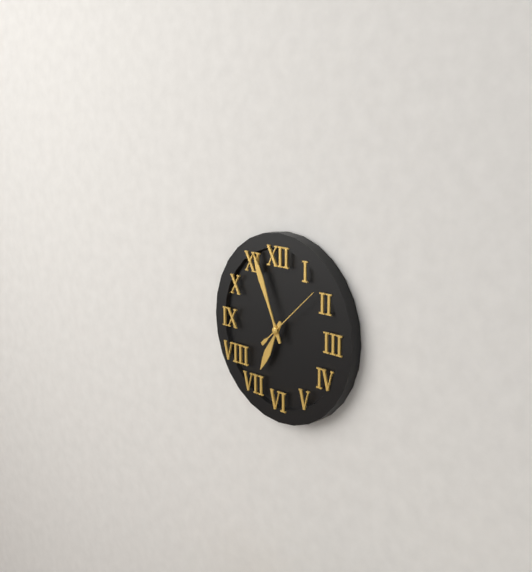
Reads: 6.56.08
